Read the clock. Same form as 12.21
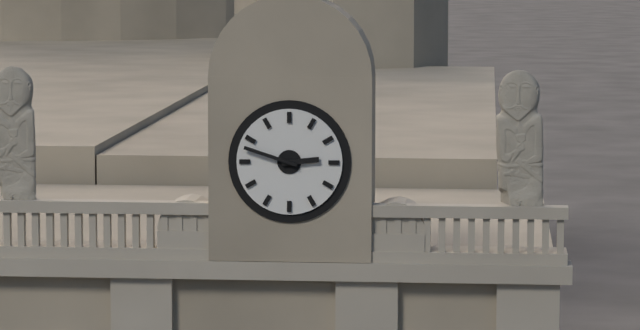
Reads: 2.48
